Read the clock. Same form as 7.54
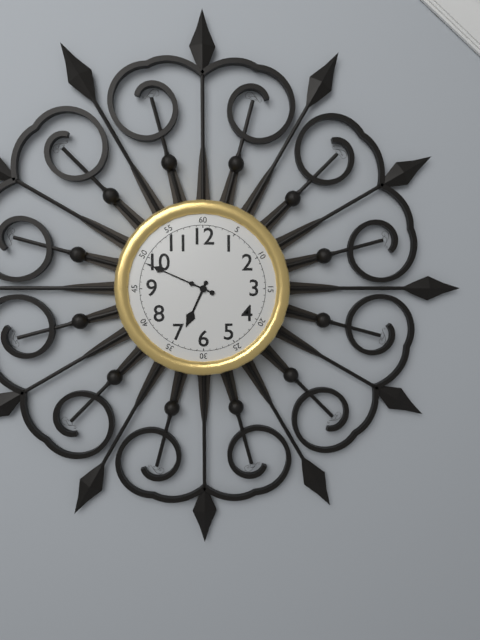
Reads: 6.49
